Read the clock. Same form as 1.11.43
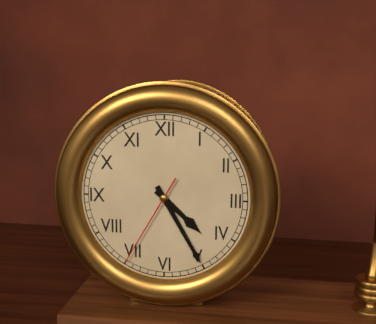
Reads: 4.25.35
